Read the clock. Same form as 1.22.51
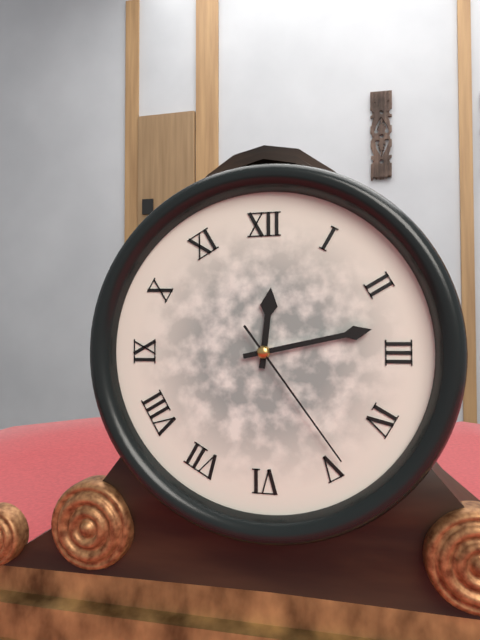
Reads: 12.13.24
